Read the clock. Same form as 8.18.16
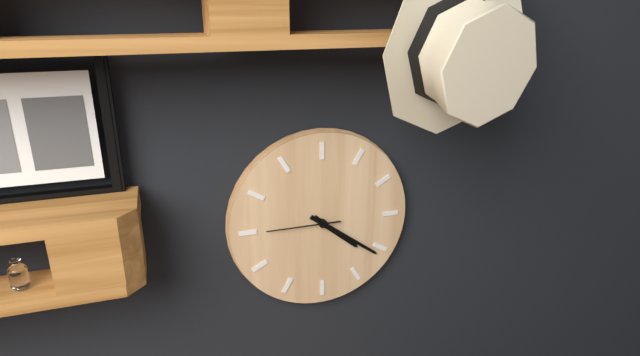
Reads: 4.21.45
